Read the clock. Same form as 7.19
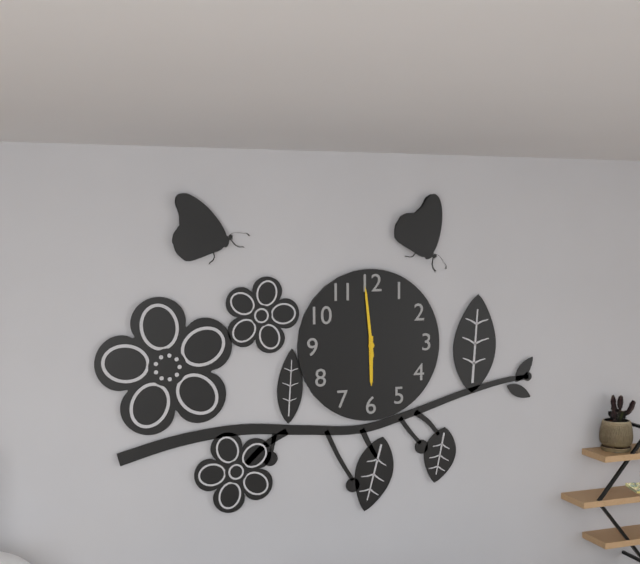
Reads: 5.59
